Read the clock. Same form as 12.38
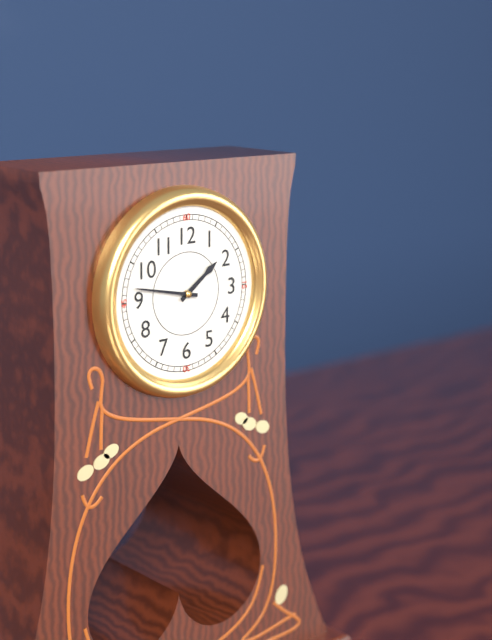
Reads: 1.47
